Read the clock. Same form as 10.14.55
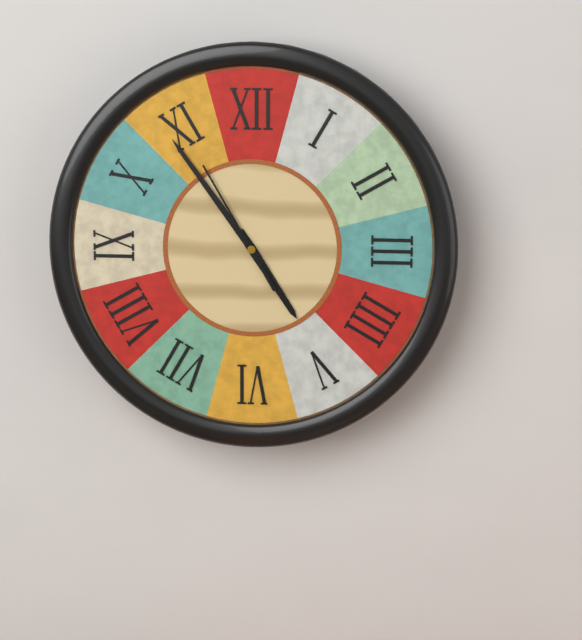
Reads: 4.54.55
